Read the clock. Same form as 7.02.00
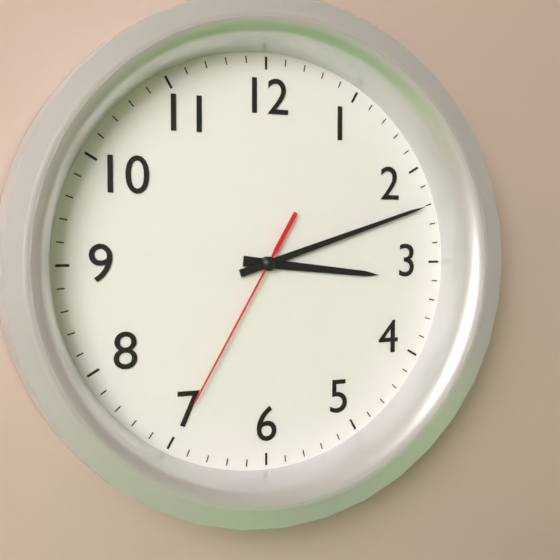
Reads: 3.12.35
